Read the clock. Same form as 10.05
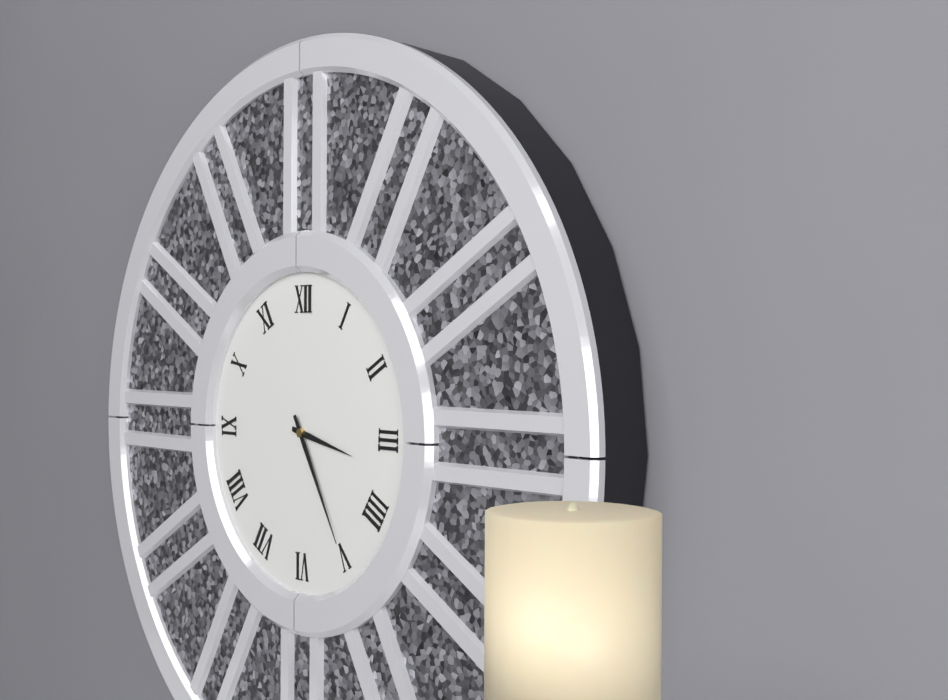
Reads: 3.25
